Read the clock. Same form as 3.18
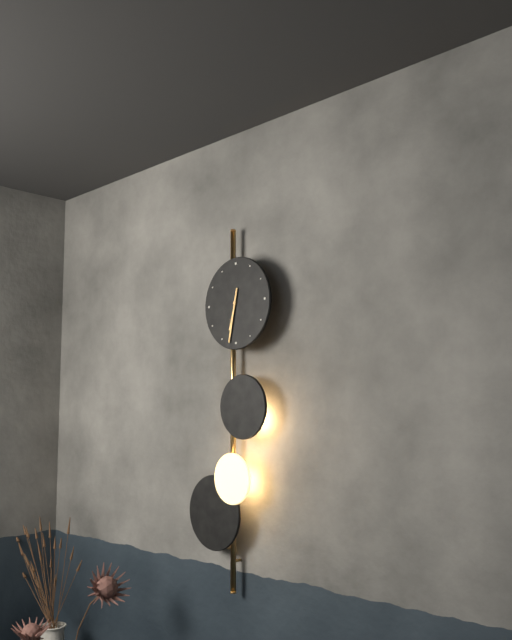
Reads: 6.32
